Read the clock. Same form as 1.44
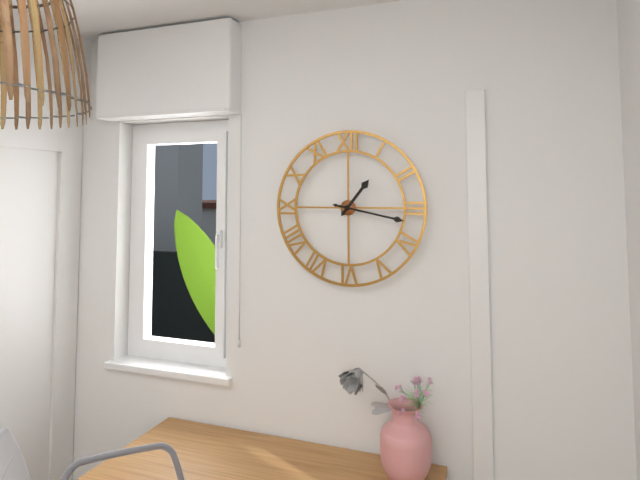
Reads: 1.17
